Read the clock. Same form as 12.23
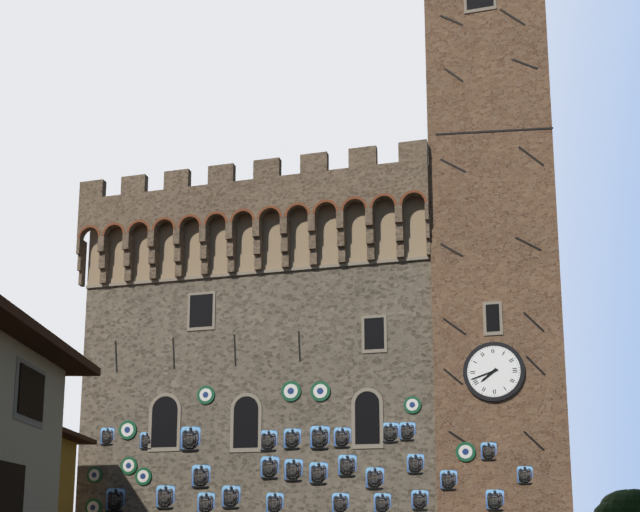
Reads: 7.42
